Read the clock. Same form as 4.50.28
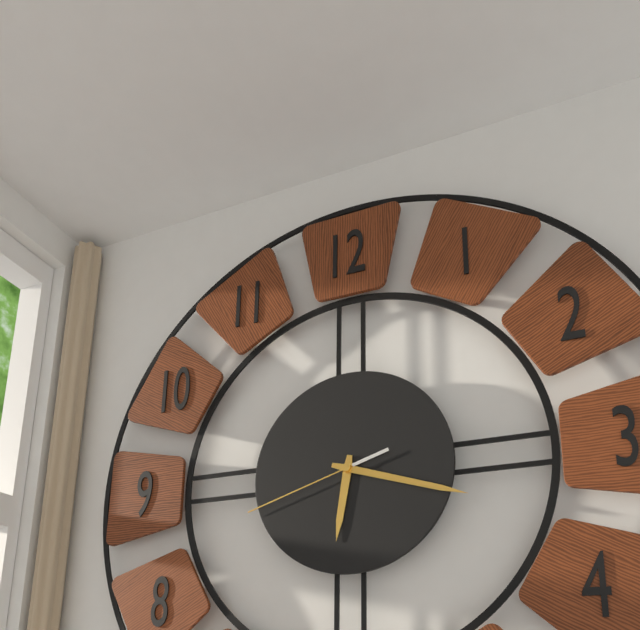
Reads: 6.18.42
